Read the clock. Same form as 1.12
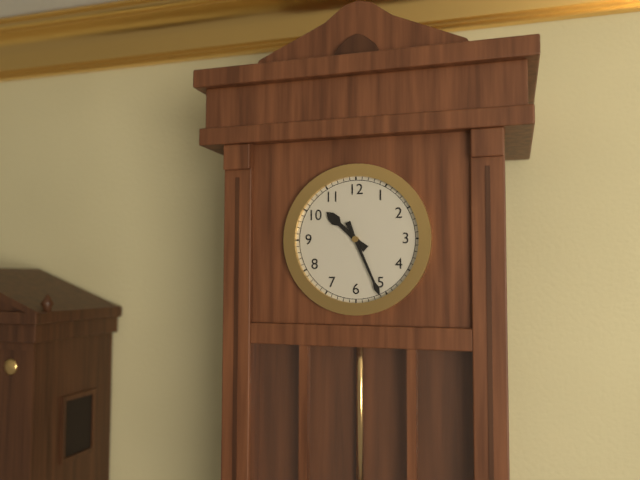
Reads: 10.26
